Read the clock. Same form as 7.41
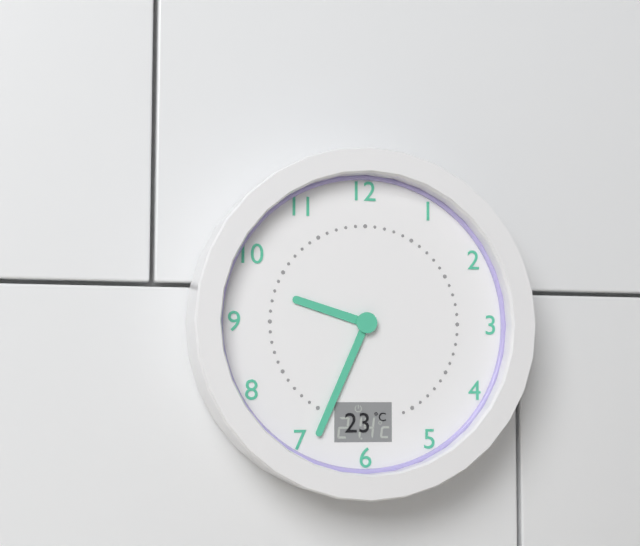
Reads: 9.34
